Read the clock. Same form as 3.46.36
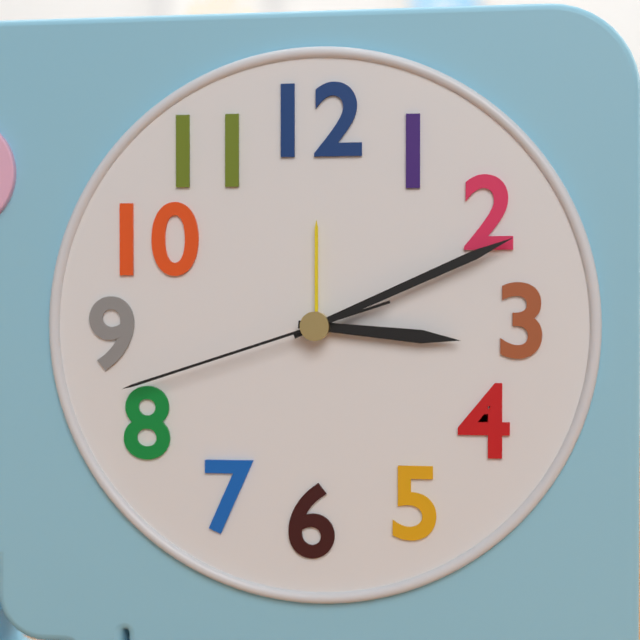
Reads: 3.11.42
